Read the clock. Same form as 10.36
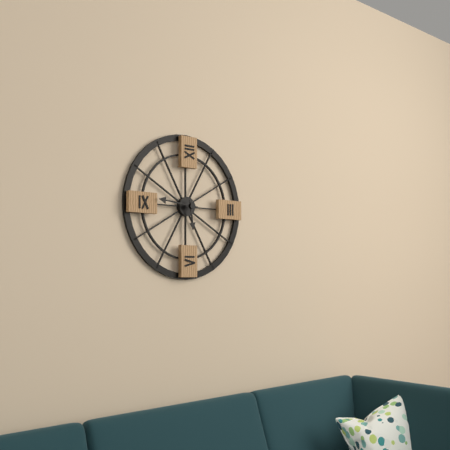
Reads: 5.46
